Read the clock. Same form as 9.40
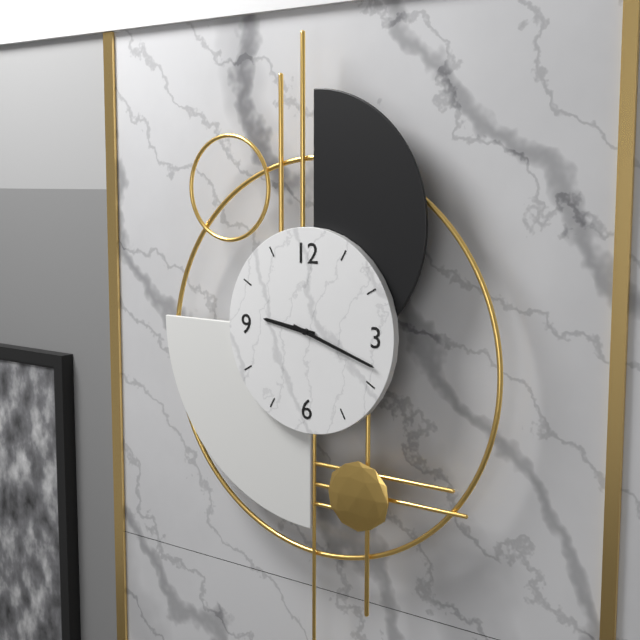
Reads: 9.18
